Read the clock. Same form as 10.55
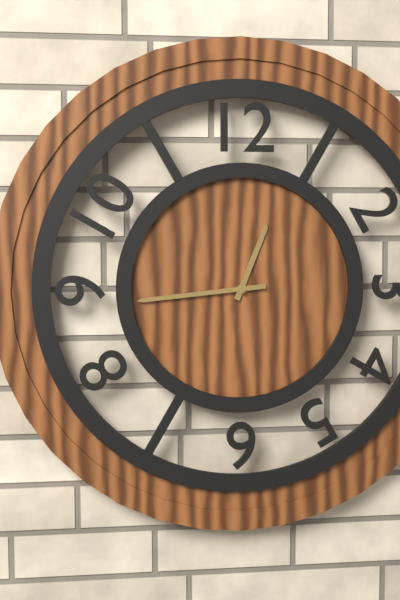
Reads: 12.44
